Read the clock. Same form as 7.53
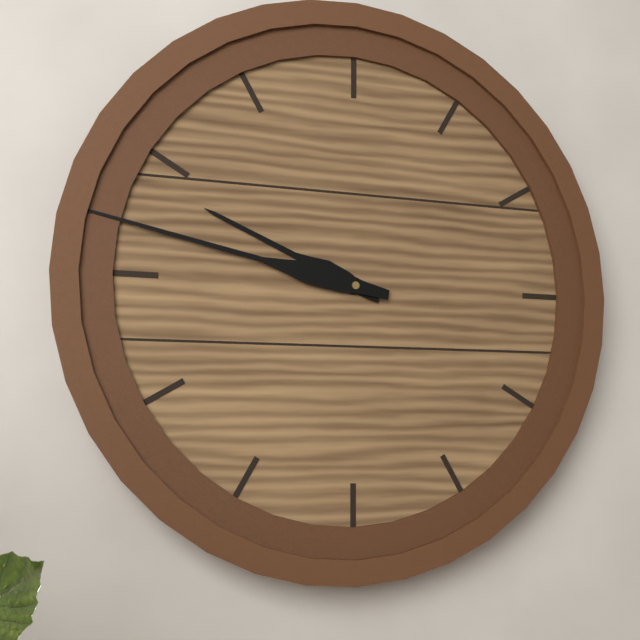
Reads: 9.47
